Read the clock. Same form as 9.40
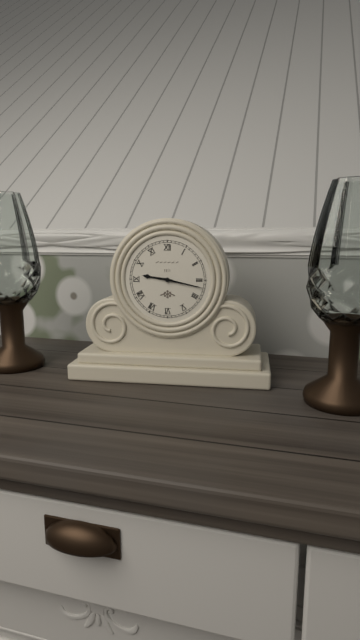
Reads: 9.17
